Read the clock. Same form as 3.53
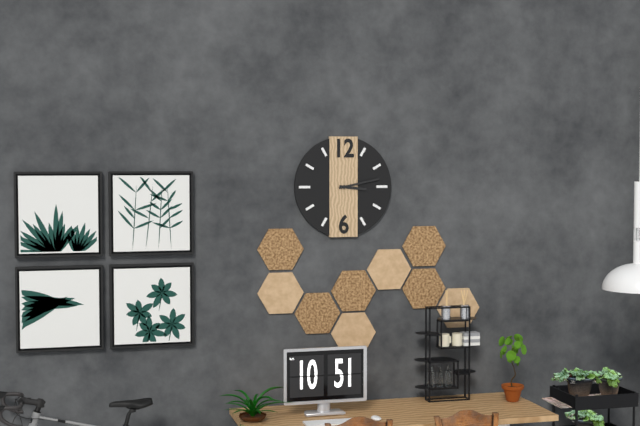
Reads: 3.13
